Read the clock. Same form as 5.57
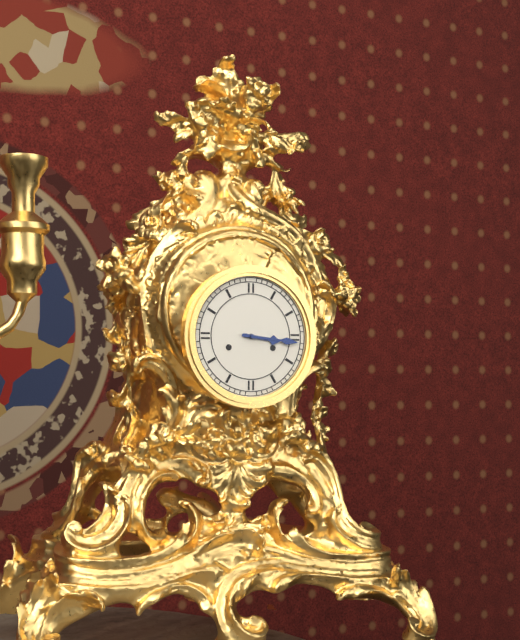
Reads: 3.16
